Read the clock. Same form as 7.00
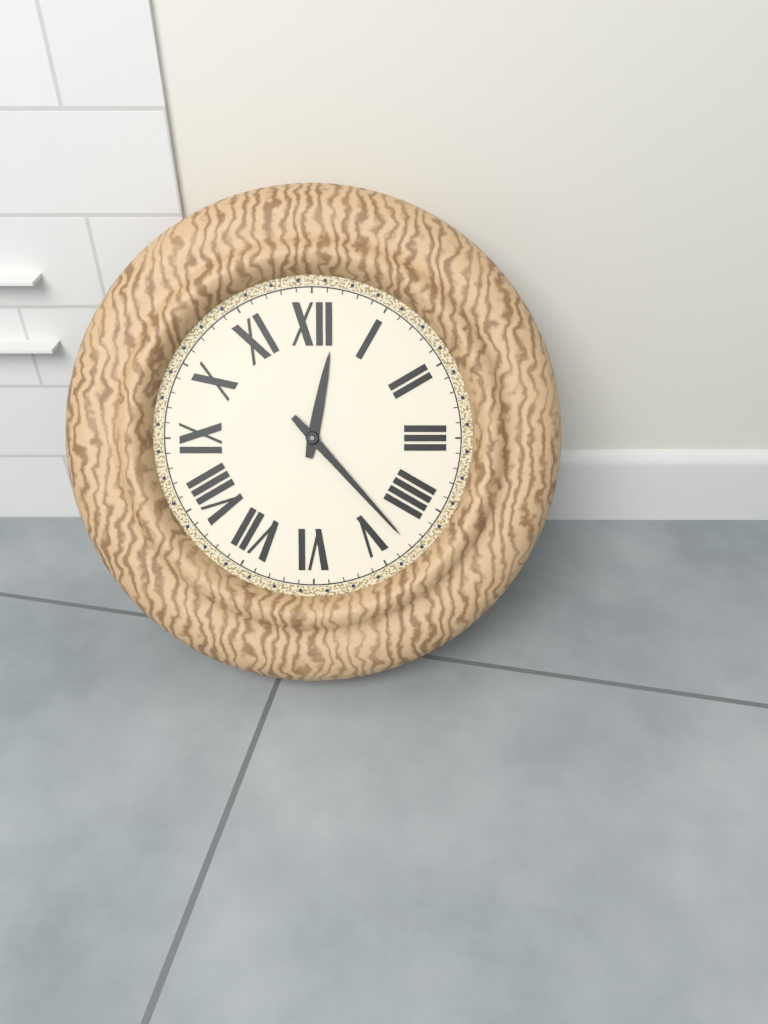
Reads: 12.23
